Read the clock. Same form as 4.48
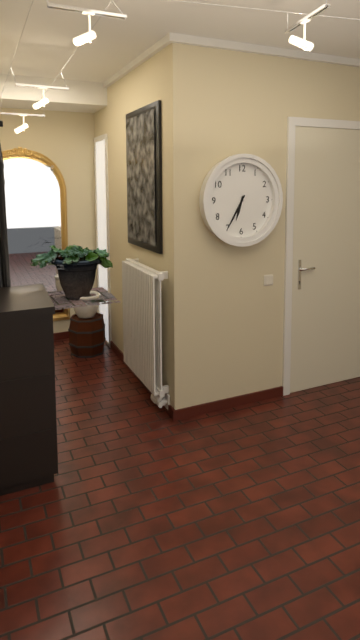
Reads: 6.35
